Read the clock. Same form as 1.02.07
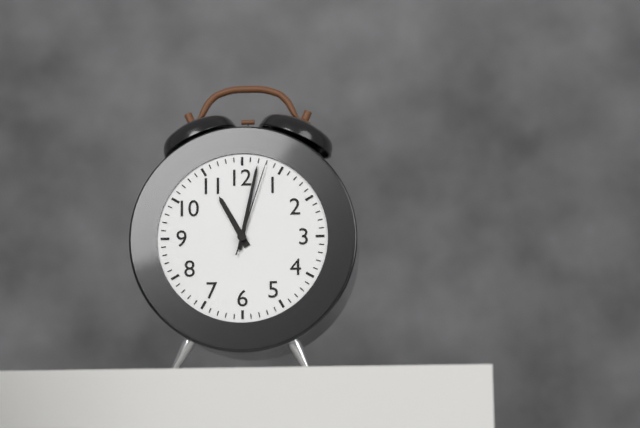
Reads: 11.02.03
